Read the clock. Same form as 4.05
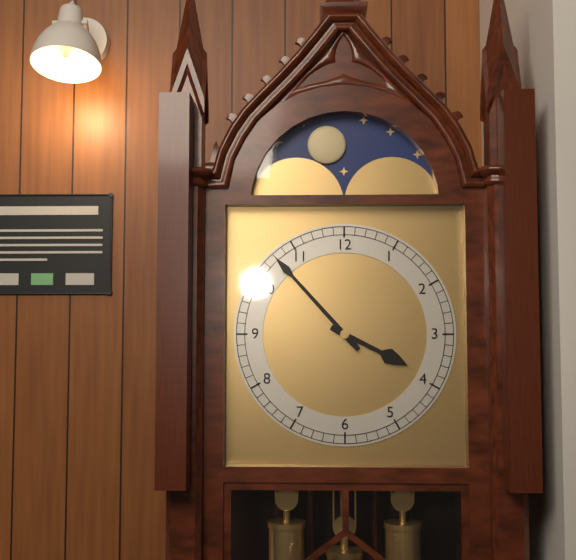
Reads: 3.53
